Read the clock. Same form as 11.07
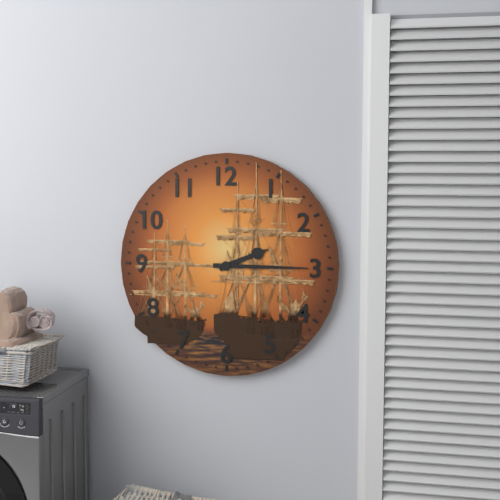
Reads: 2.15
